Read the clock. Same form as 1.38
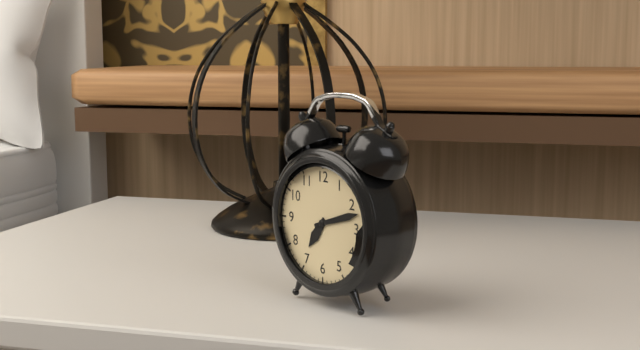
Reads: 7.12
